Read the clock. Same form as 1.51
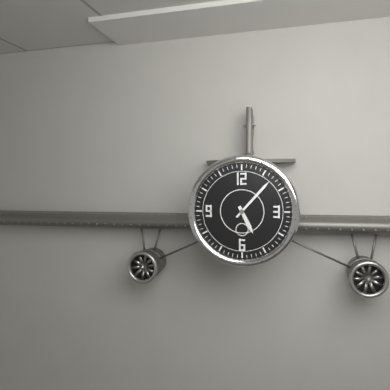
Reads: 5.07
